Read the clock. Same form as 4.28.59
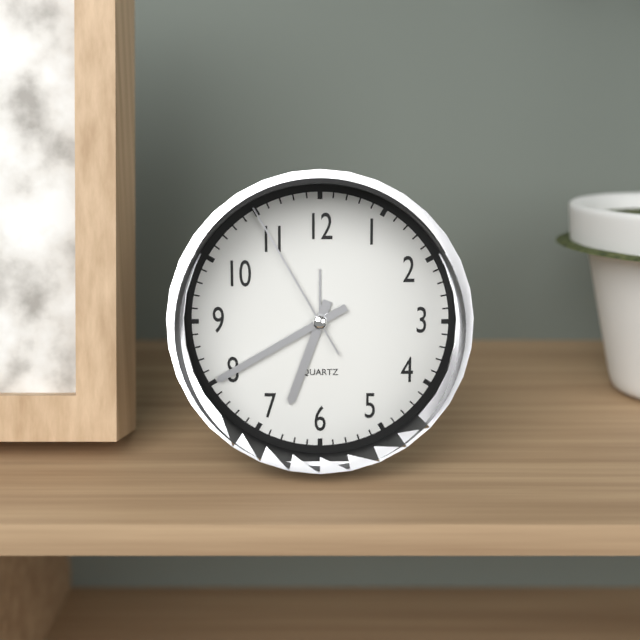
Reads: 6.40.55
